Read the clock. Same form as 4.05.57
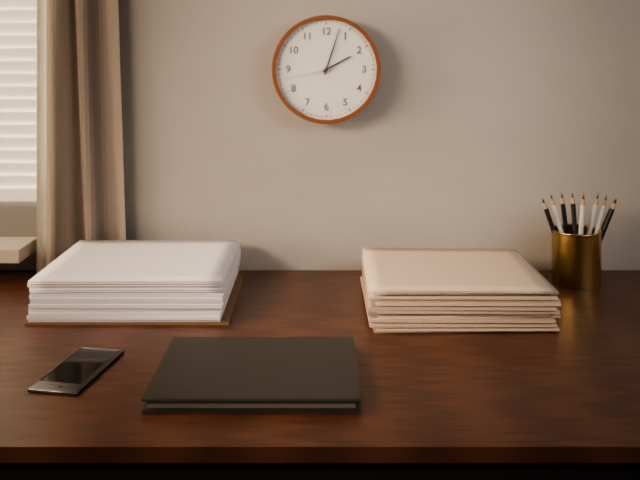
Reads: 2.03.43
